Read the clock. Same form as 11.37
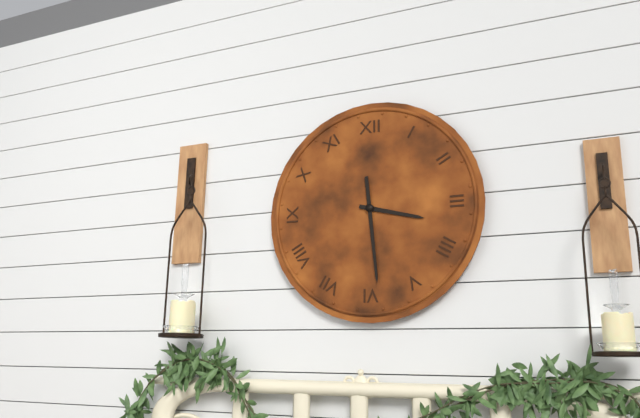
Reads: 3.29
